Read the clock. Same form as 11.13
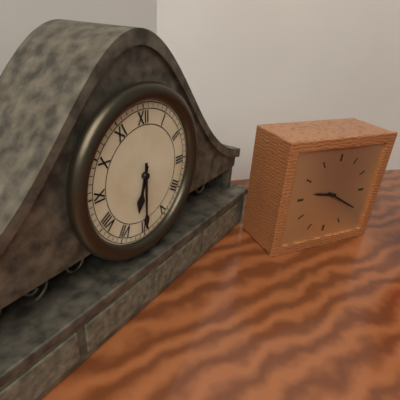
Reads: 6.30
